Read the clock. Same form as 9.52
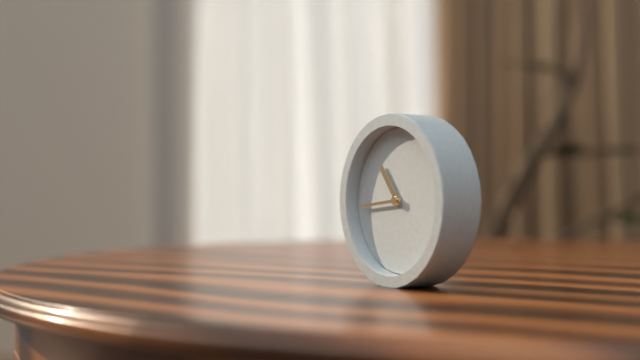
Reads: 10.44
